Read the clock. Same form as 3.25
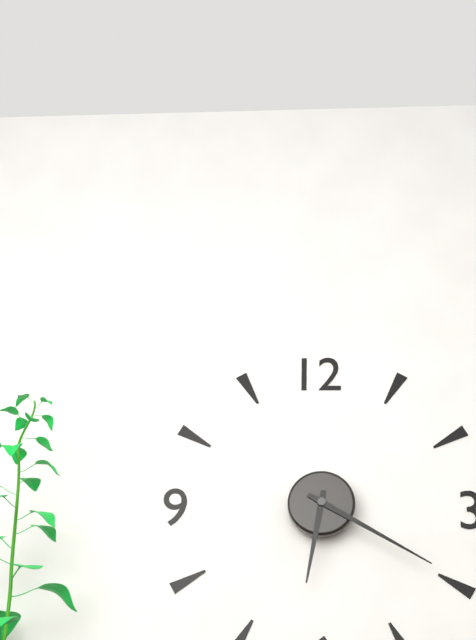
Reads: 6.20
